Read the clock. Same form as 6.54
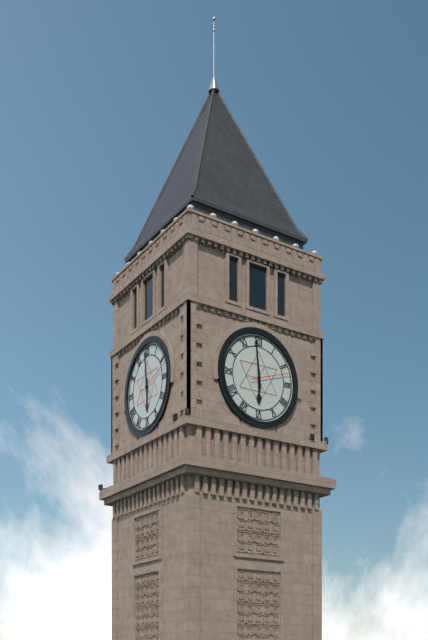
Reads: 5.59
